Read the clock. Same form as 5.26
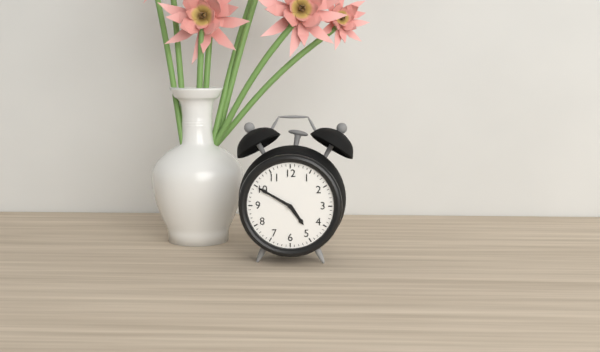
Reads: 4.50
